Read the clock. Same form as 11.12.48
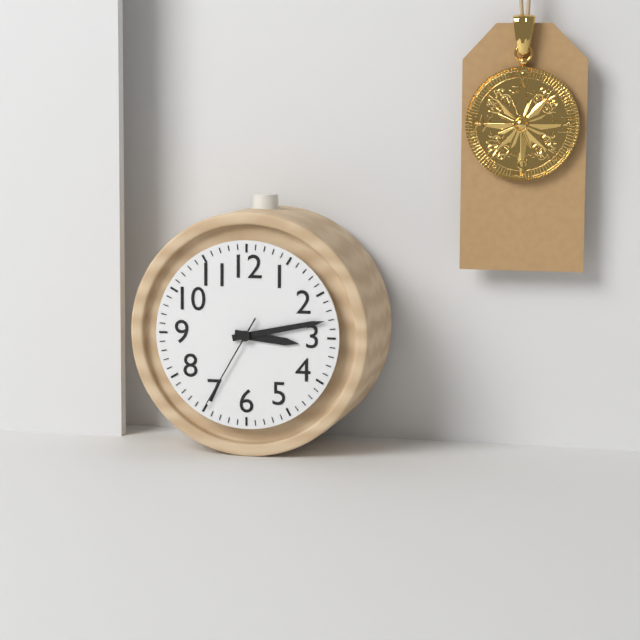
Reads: 3.13.35
